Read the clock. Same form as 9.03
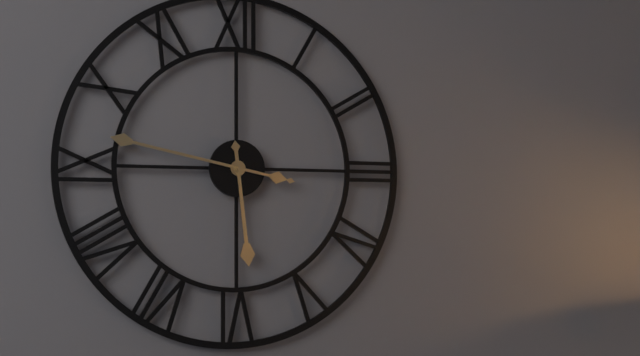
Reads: 5.47
